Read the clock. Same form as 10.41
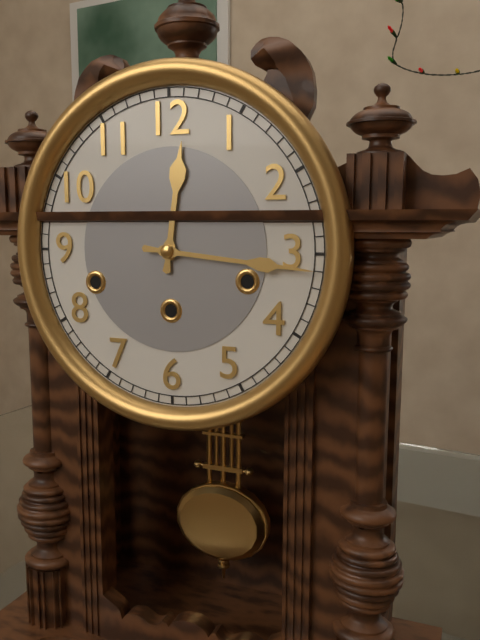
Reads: 12.16
